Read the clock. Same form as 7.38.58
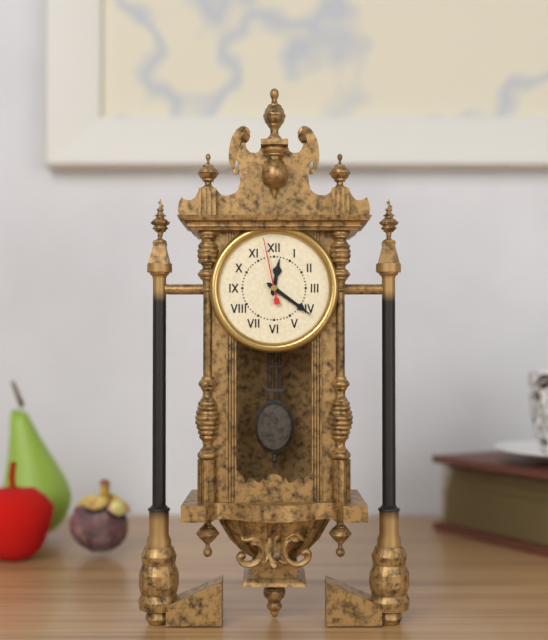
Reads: 12.21.58
